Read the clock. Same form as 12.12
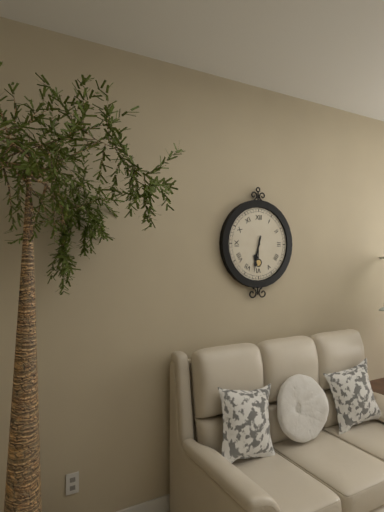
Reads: 6.32
